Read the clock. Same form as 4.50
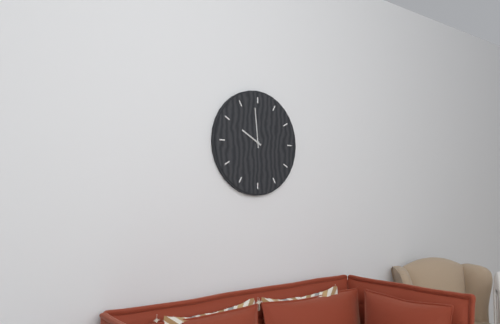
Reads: 9.59
